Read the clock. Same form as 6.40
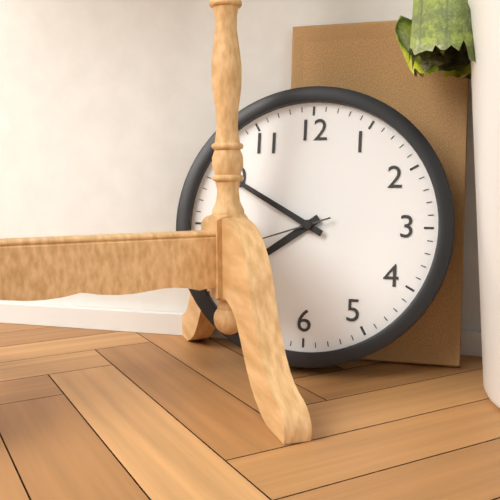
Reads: 7.50
